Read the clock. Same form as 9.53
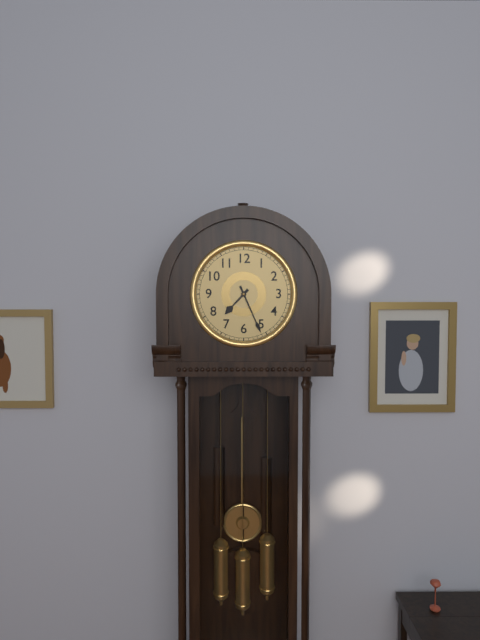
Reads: 7.26
